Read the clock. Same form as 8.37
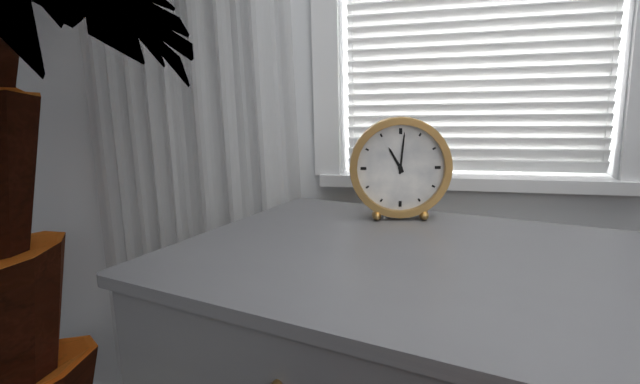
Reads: 11.01
